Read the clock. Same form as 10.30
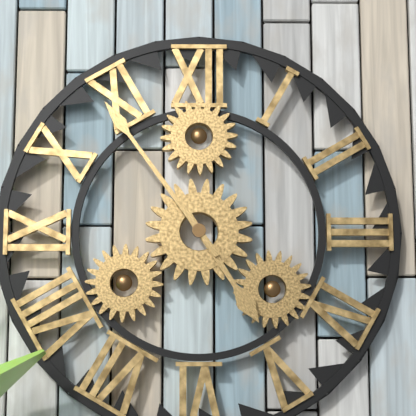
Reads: 4.54
